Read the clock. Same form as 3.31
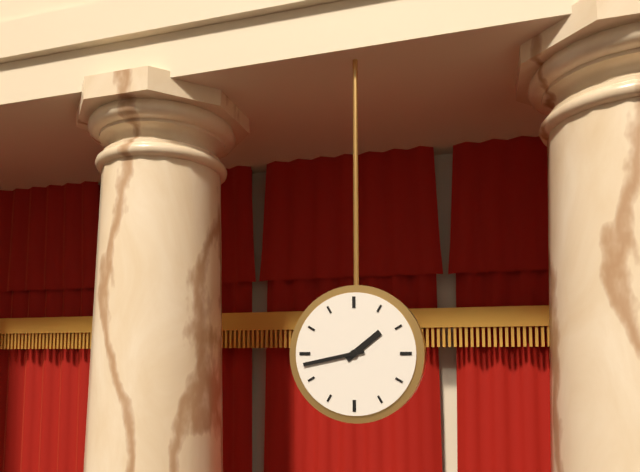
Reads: 1.43
